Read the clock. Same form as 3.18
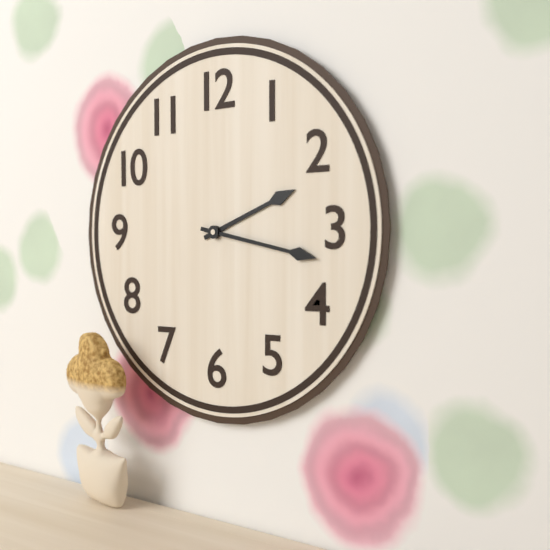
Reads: 2.17
